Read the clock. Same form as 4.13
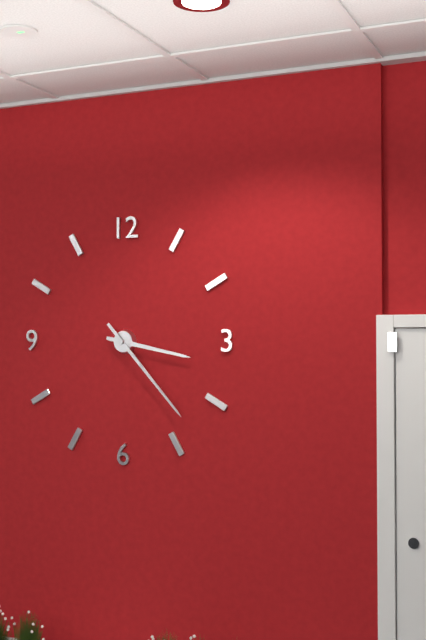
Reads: 3.23
